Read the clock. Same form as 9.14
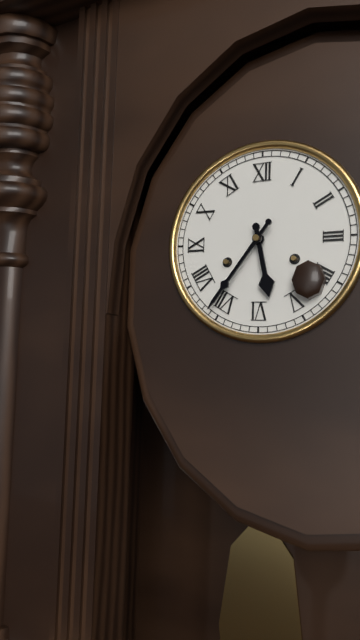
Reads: 5.36
